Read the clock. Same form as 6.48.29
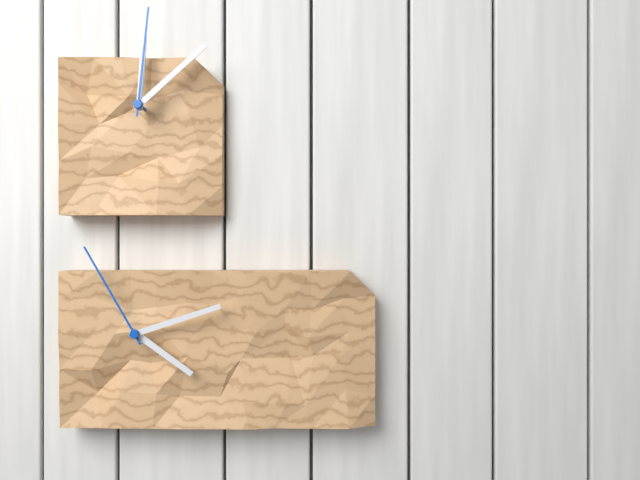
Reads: 12.08.01
